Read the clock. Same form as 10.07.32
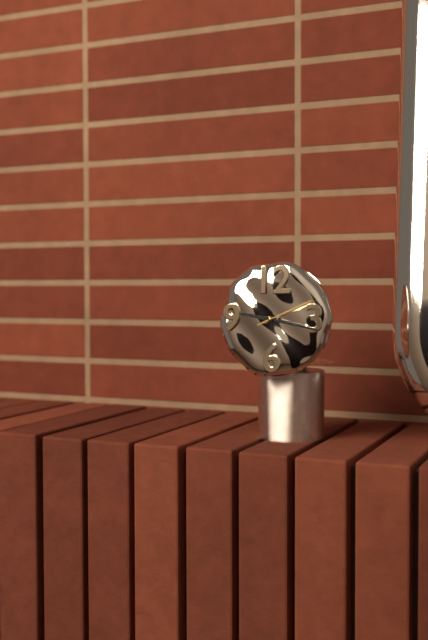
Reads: 9.17.11
